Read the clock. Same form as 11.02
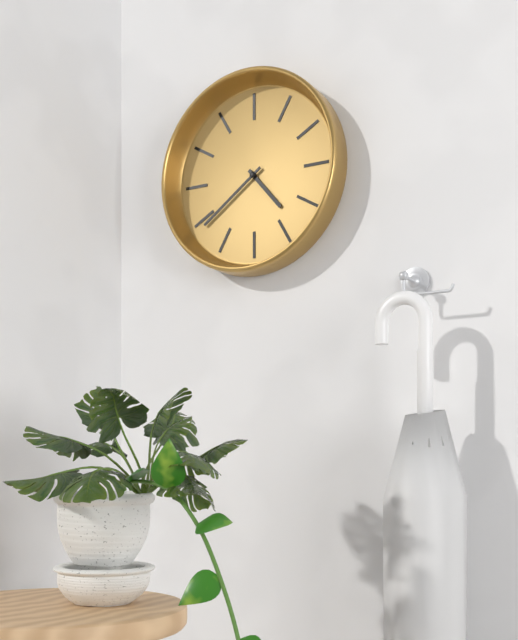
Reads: 4.39
